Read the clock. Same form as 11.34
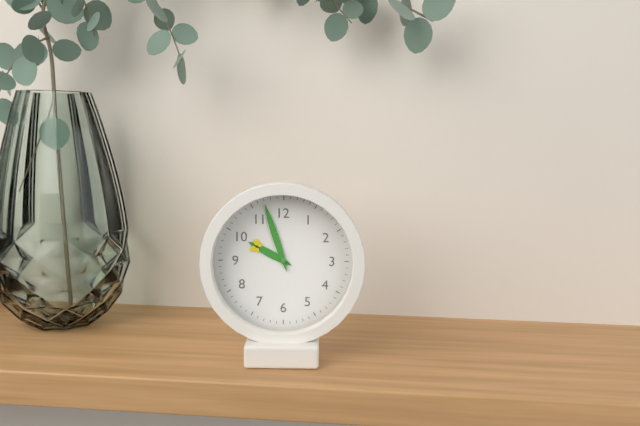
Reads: 9.57
